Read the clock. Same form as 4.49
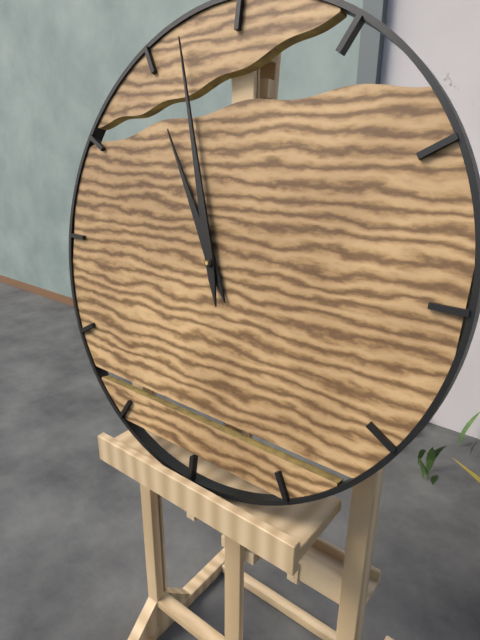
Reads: 10.57
